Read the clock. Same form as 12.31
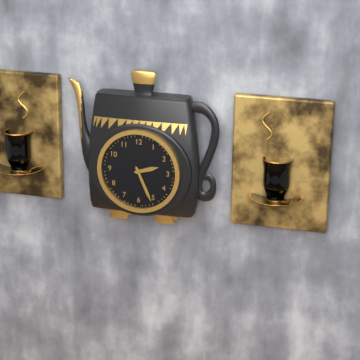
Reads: 2.26
